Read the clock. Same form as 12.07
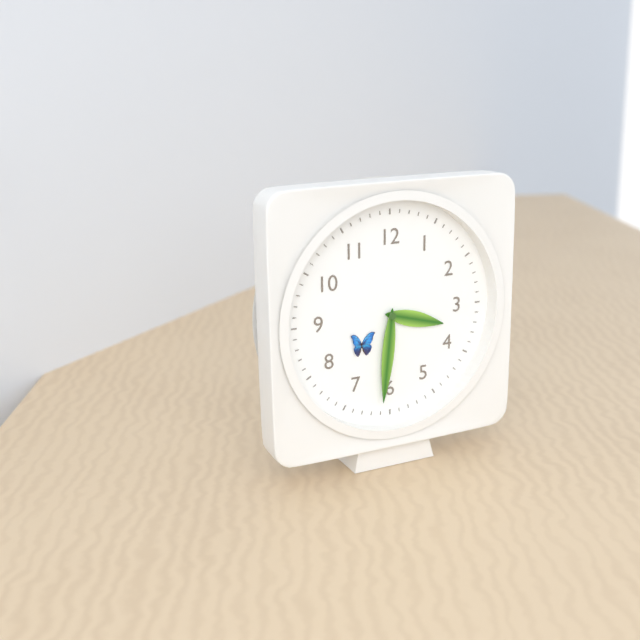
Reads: 3.31
